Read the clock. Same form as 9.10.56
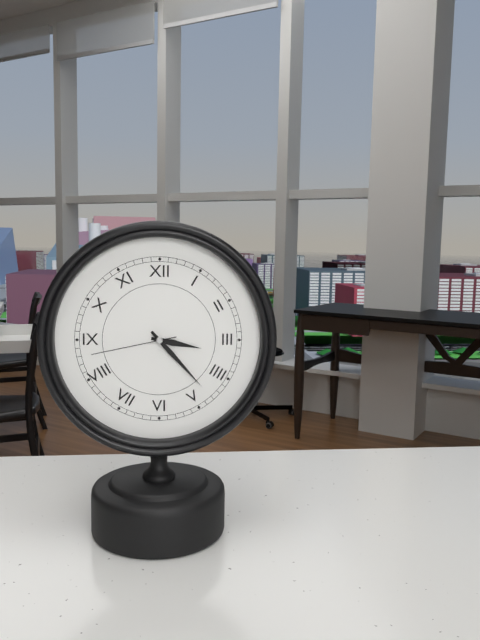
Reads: 3.23.43
